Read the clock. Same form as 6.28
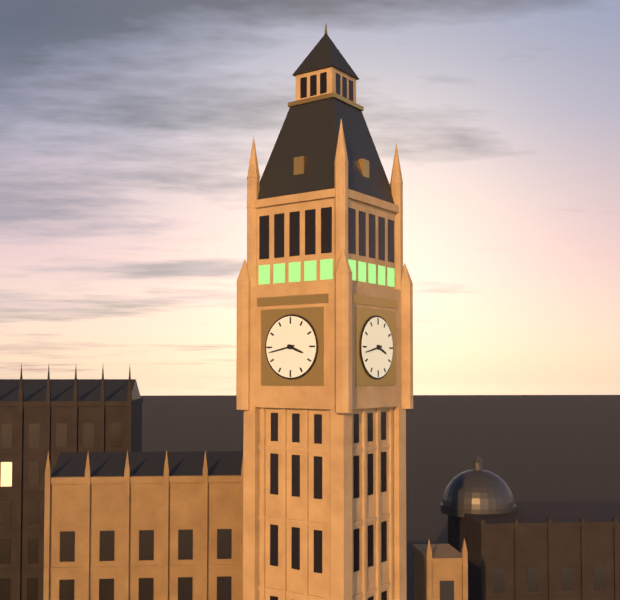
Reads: 3.43
